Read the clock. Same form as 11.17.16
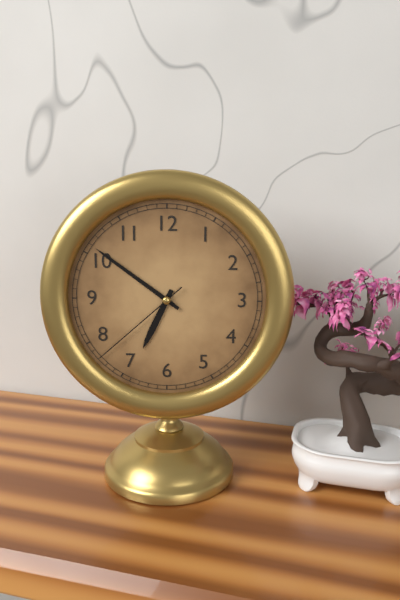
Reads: 6.51.38
